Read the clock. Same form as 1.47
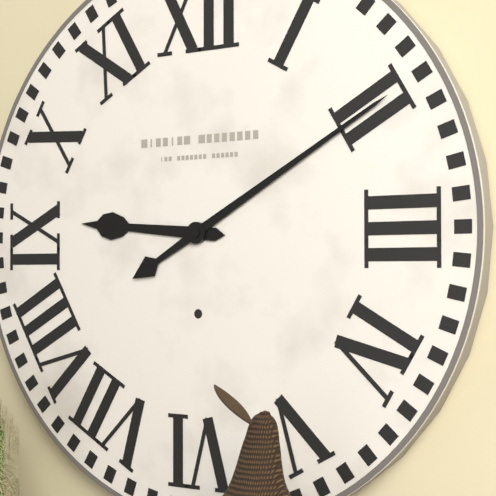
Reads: 9.10
